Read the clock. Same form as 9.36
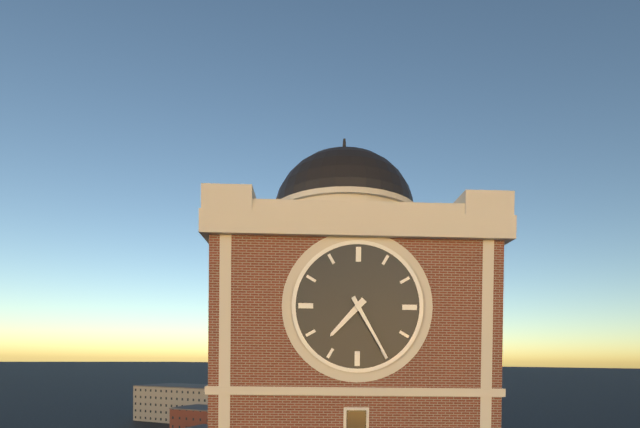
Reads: 7.25
